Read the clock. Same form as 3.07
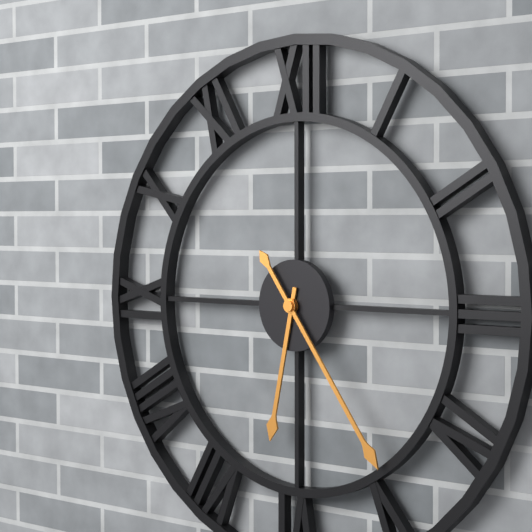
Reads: 6.24
